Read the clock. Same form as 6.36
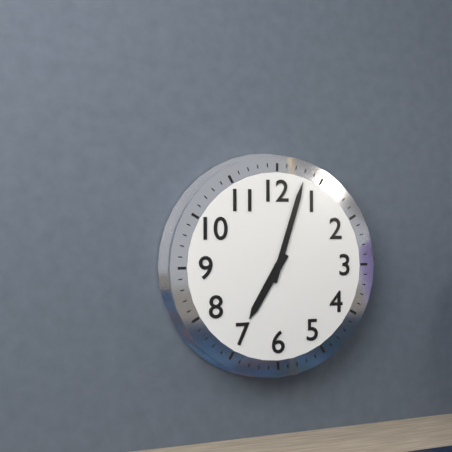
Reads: 7.03
